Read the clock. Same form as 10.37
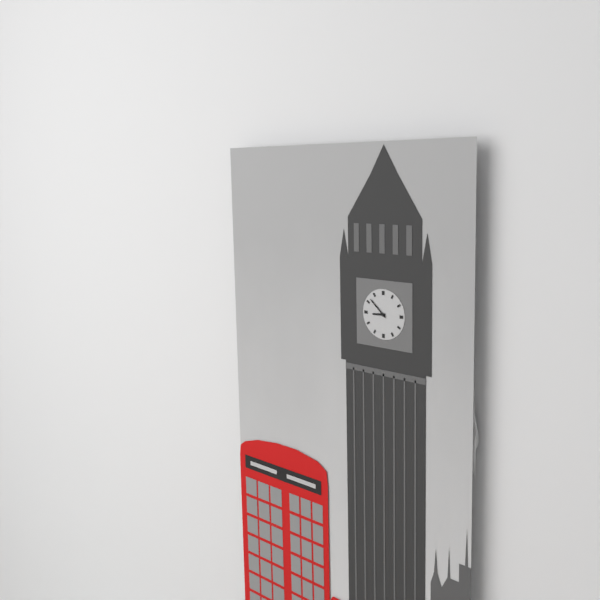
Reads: 8.52
